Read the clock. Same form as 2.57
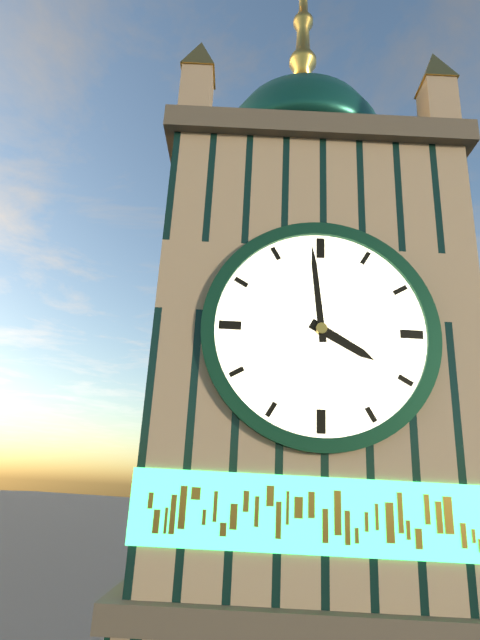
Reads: 3.59
